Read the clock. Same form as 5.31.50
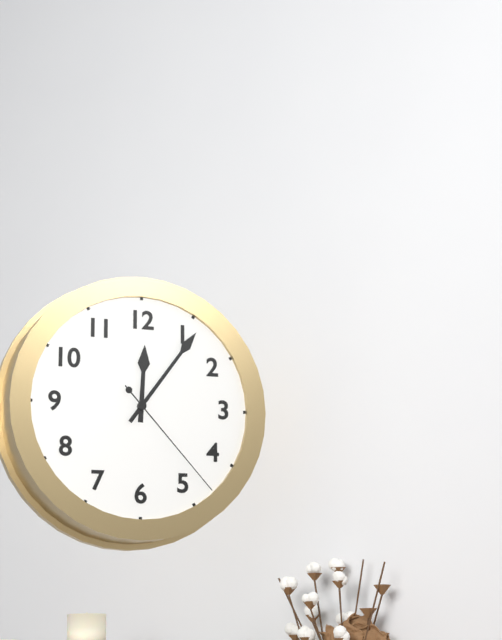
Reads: 12.06.23
